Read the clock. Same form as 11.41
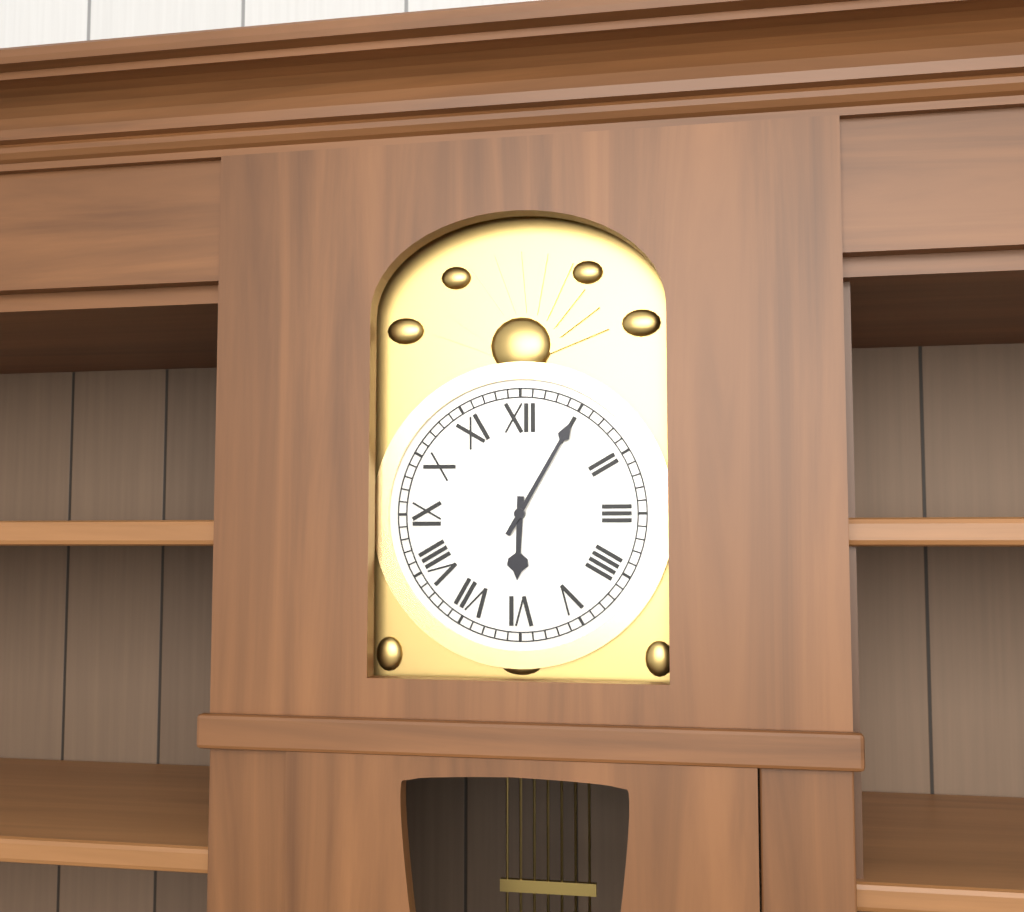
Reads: 6.05
